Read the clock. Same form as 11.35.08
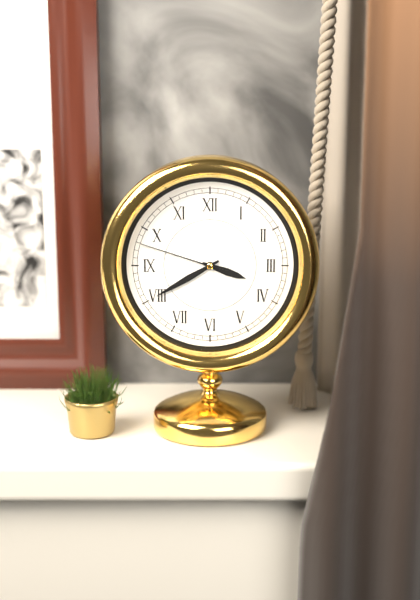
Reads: 3.40.48
